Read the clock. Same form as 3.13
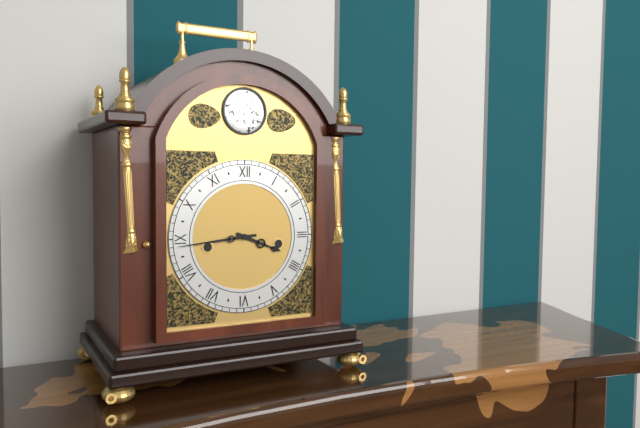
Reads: 3.44
